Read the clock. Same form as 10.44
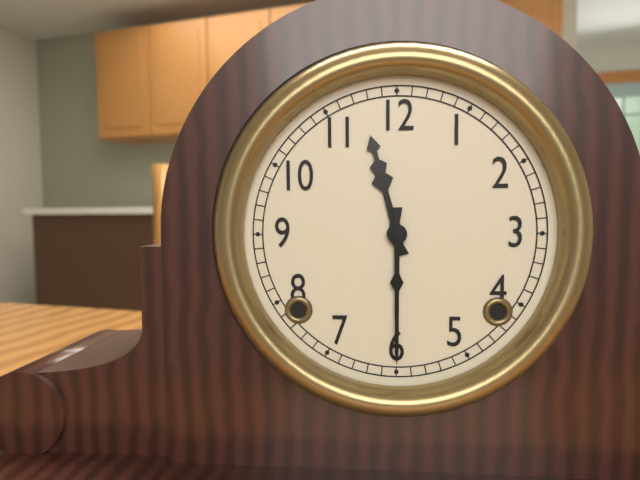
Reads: 11.30
